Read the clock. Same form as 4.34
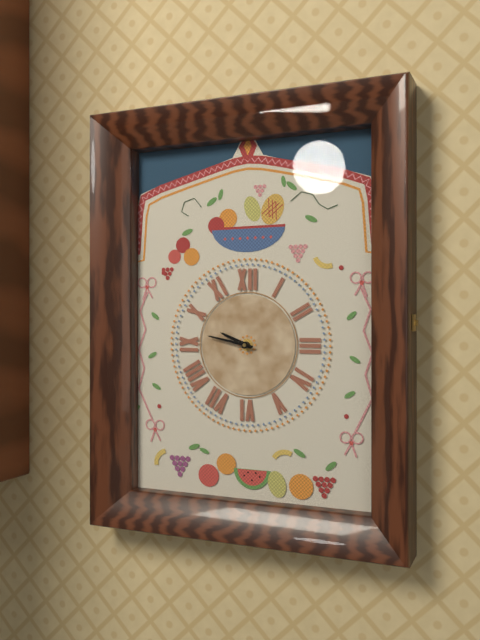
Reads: 9.47
